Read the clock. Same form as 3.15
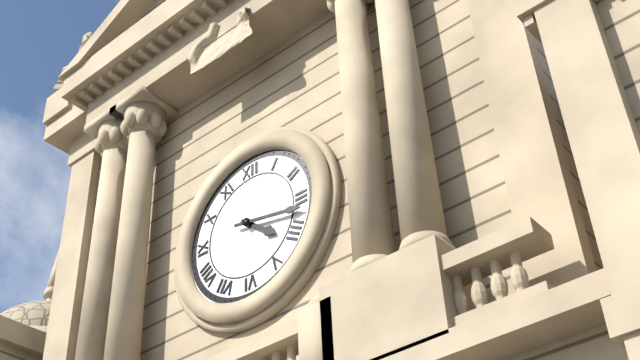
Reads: 4.17
